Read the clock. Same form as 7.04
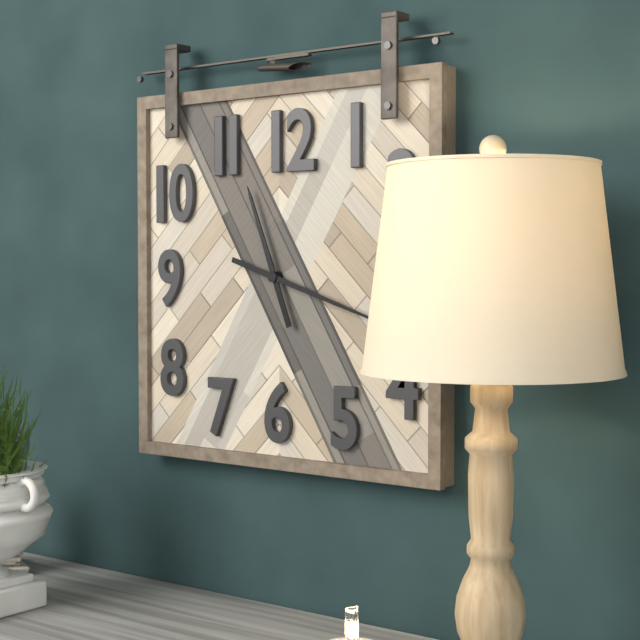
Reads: 11.18
